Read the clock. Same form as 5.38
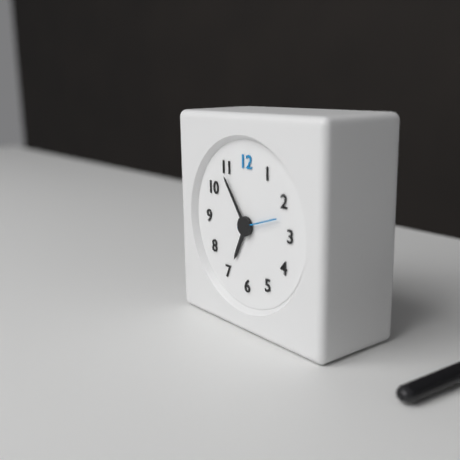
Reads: 6.54
